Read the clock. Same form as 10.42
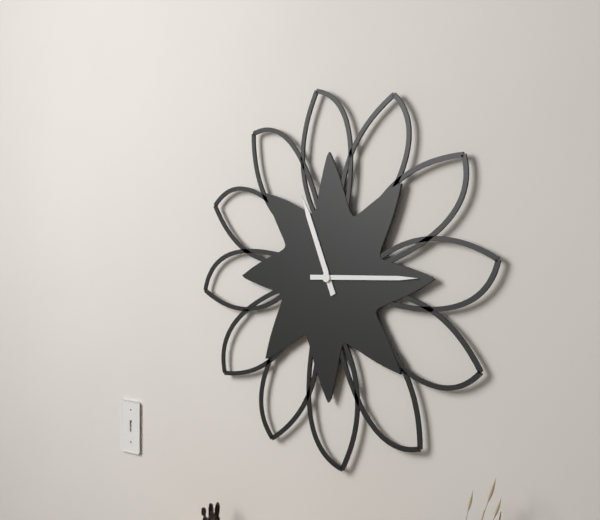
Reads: 11.15
